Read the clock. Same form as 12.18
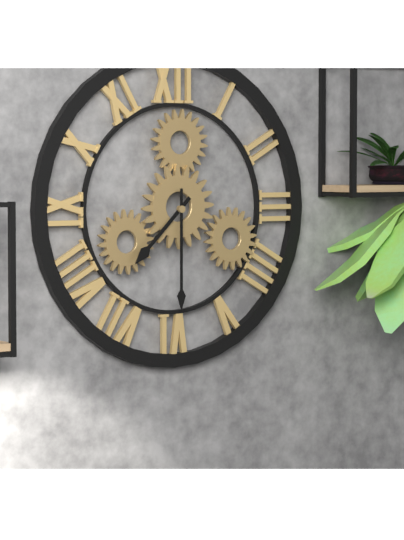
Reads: 7.30
